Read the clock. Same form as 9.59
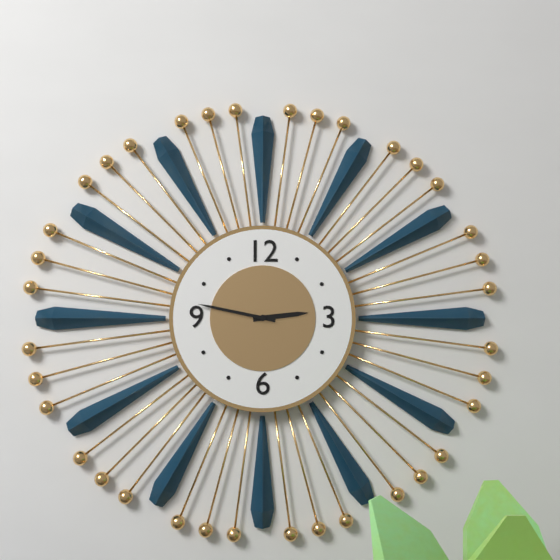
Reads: 2.47
